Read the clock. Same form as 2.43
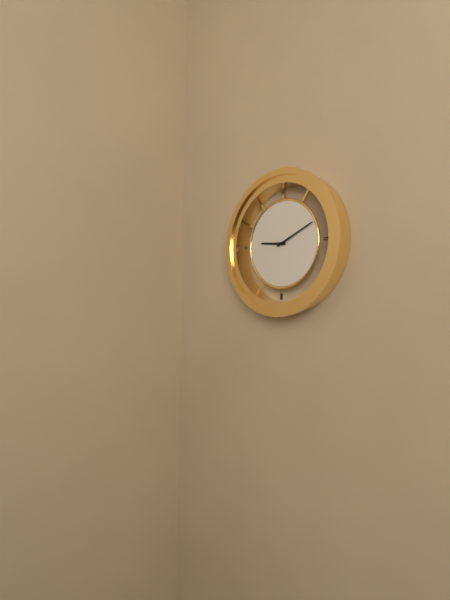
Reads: 9.11
